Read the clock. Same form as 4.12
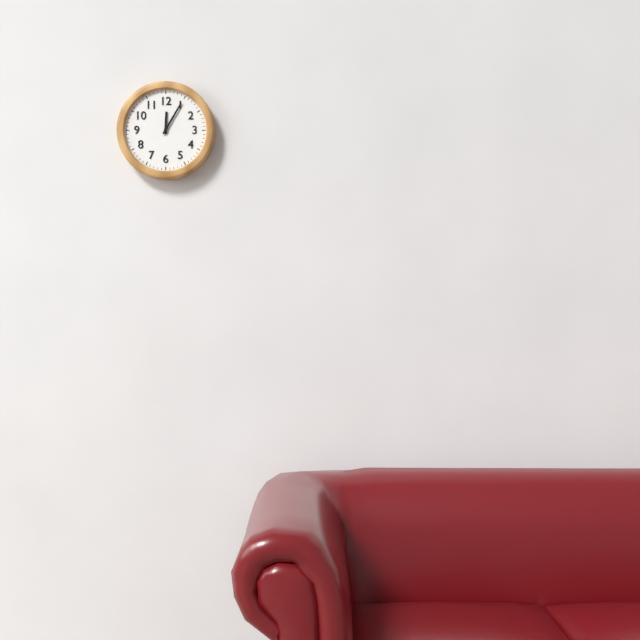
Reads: 12.05
